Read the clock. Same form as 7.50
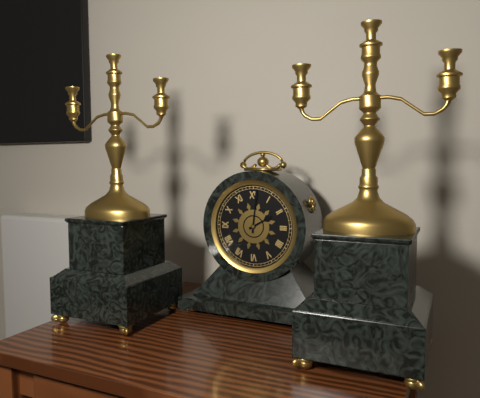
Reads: 2.01
